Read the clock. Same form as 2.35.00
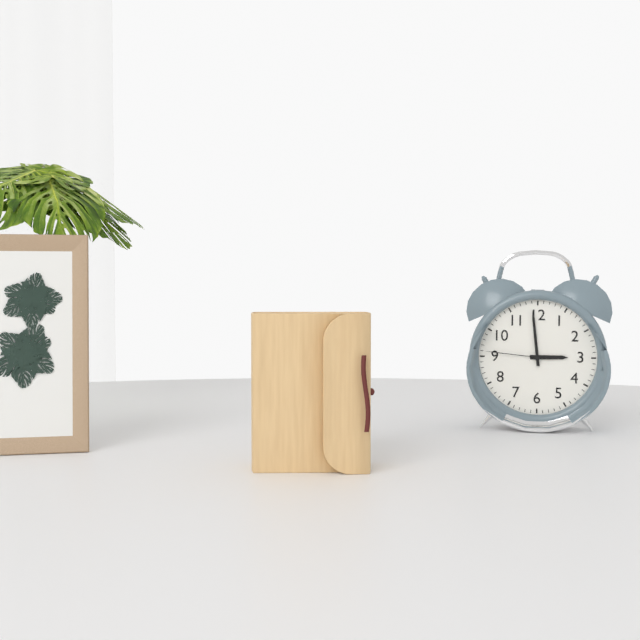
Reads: 2.59.46
